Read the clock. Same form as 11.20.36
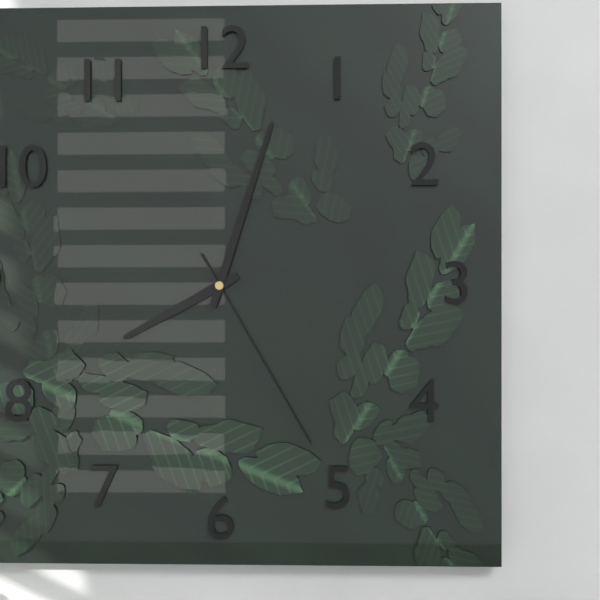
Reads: 8.03.25
